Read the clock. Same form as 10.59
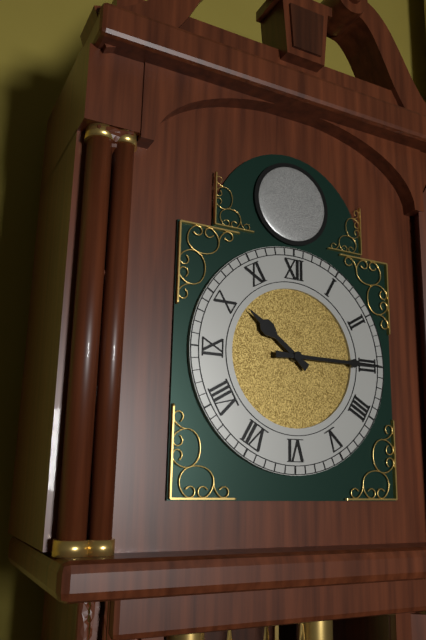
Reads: 10.15
